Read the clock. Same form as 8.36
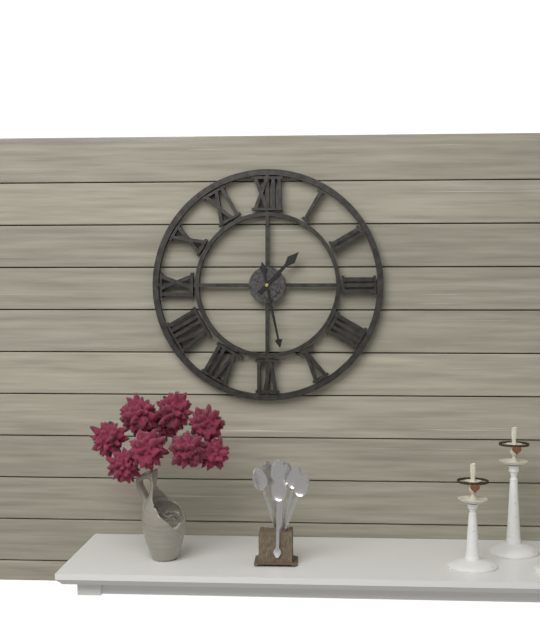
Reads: 1.28
